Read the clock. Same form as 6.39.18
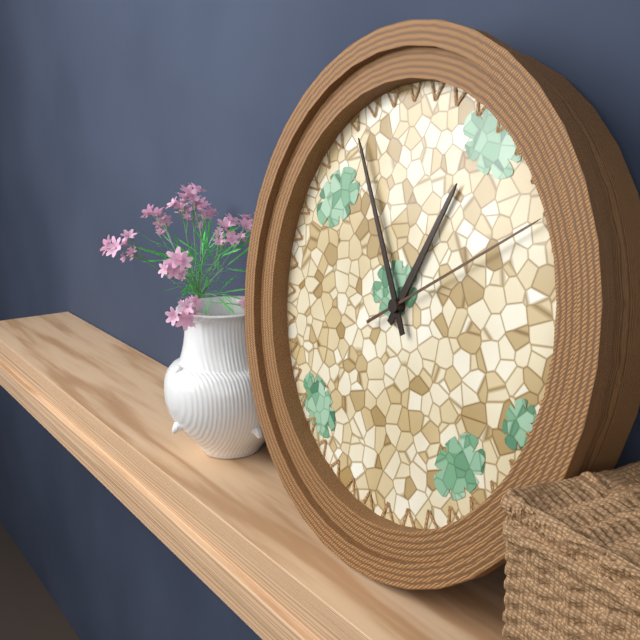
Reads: 12.55.10
